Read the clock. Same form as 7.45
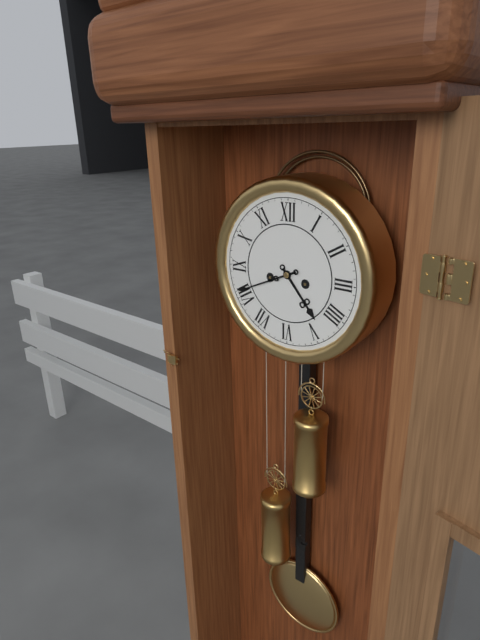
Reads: 4.41
